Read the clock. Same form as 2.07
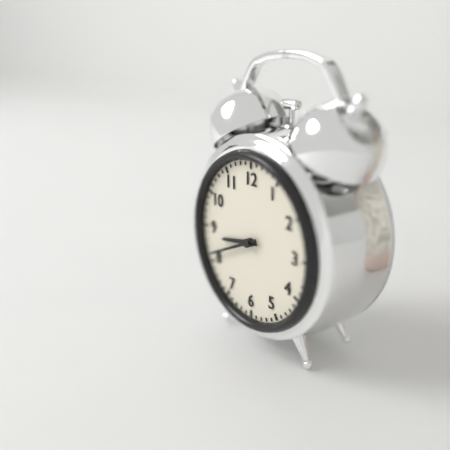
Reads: 8.41
